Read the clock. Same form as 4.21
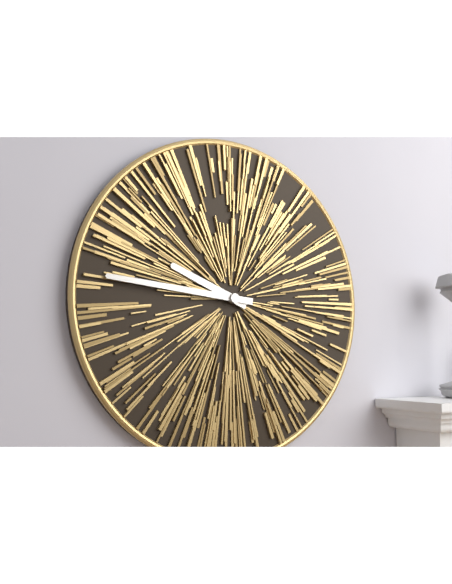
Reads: 9.46
